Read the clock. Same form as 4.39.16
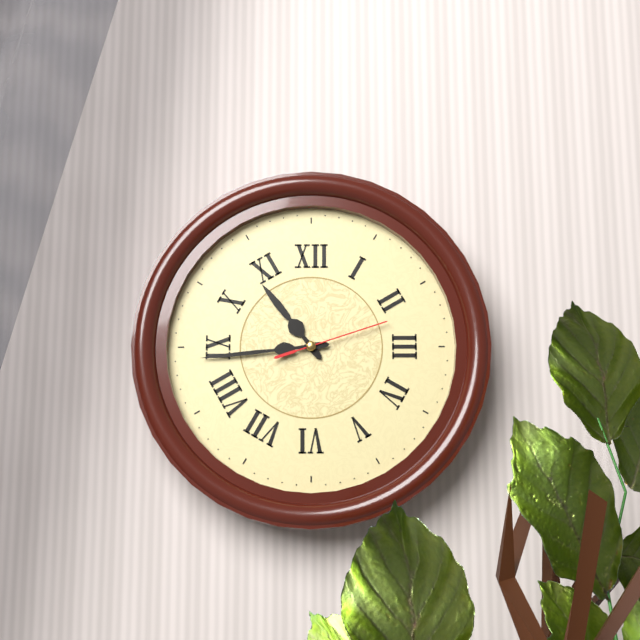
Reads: 10.44.12
